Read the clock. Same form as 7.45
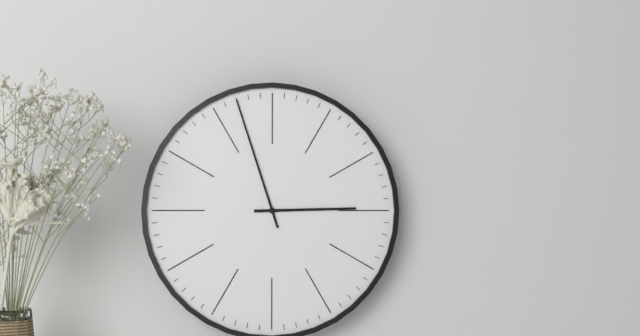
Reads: 2.57
